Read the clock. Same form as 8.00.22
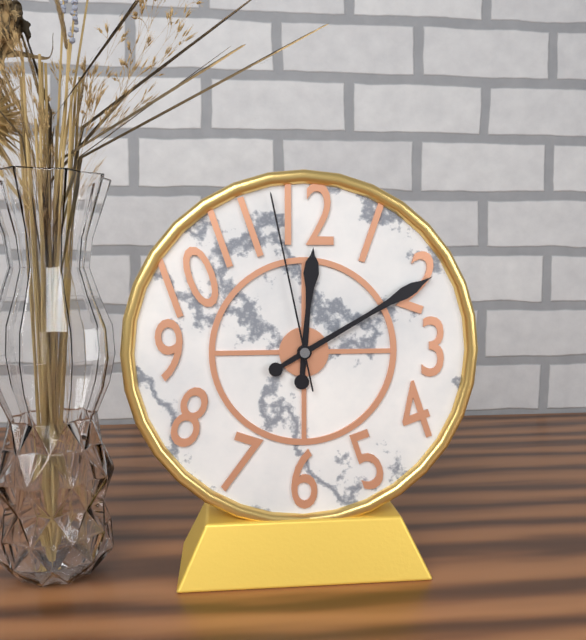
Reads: 12.10.58
